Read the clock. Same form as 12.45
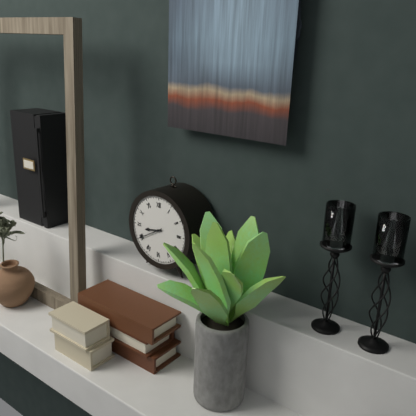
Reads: 8.40
